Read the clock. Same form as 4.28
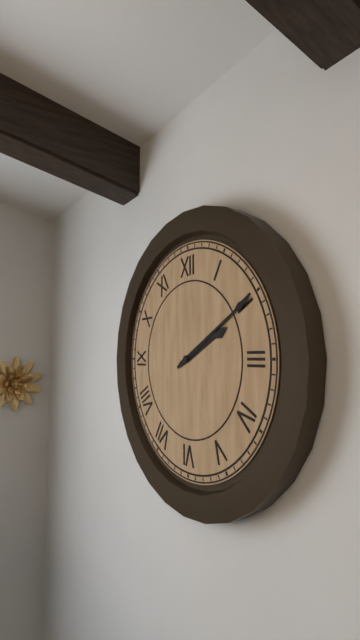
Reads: 2.10
